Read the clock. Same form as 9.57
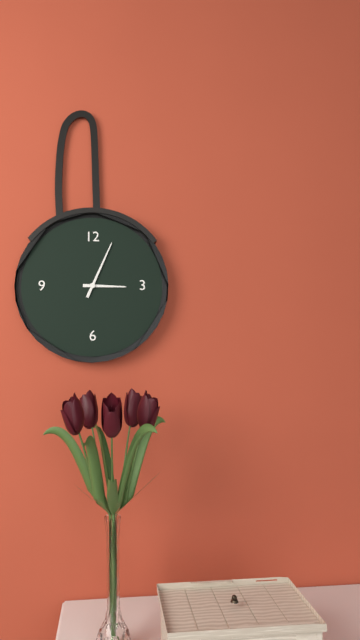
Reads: 3.04
